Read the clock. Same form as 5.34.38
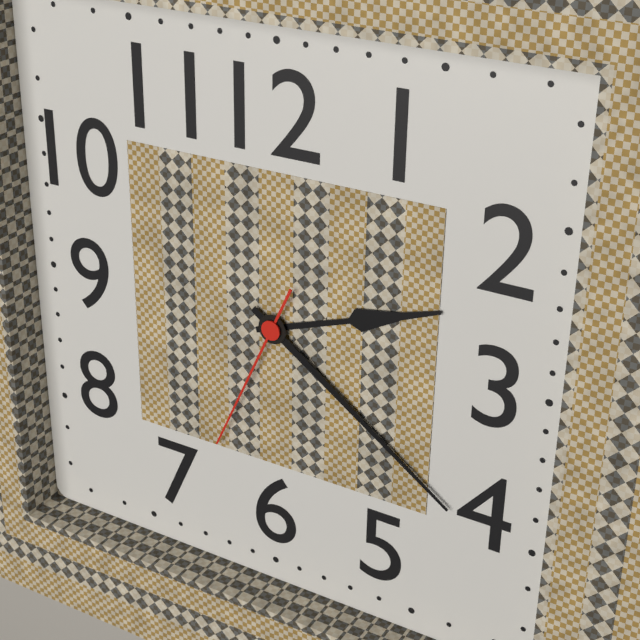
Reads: 2.21.34
